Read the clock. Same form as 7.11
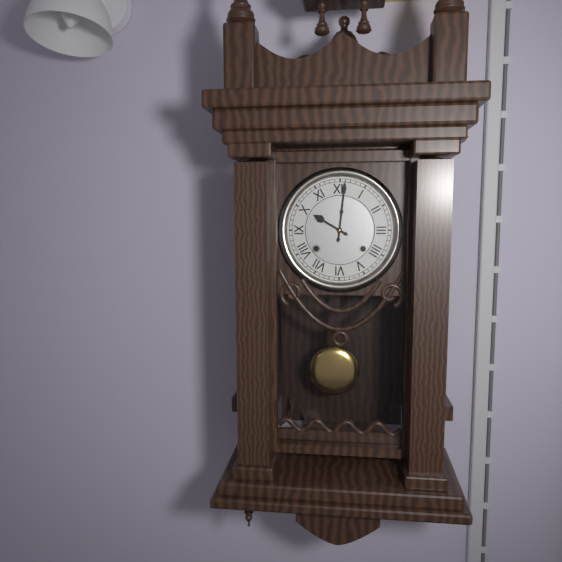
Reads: 10.01
